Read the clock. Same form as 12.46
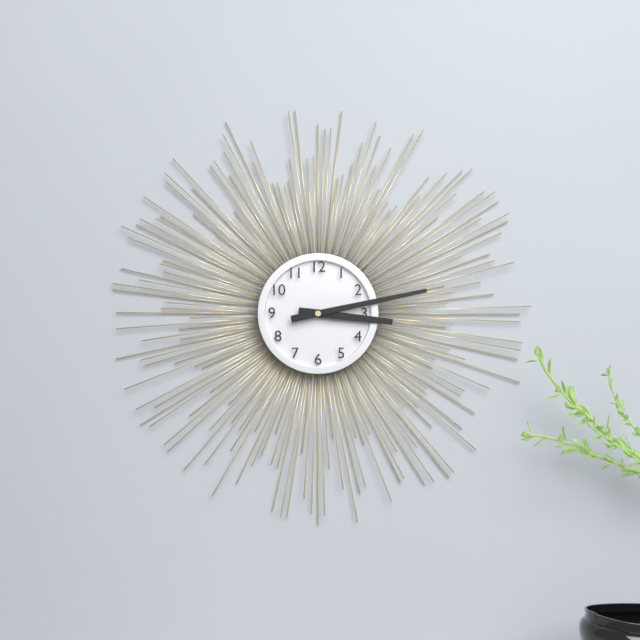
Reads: 3.13
